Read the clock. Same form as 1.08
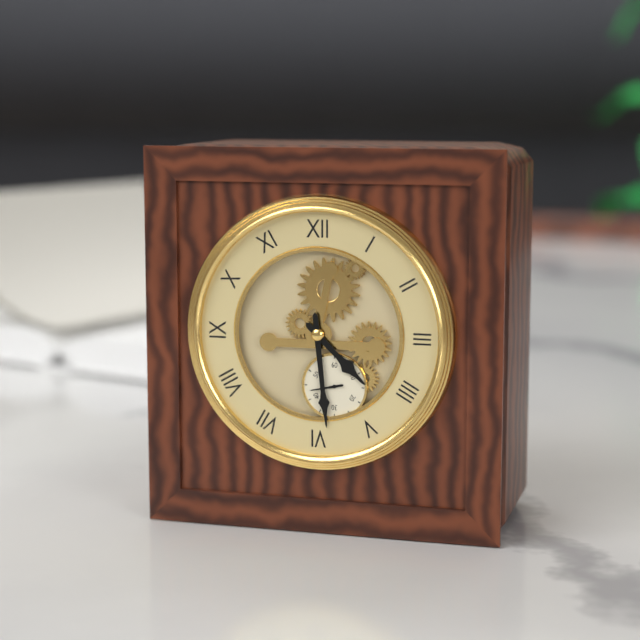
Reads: 4.29
